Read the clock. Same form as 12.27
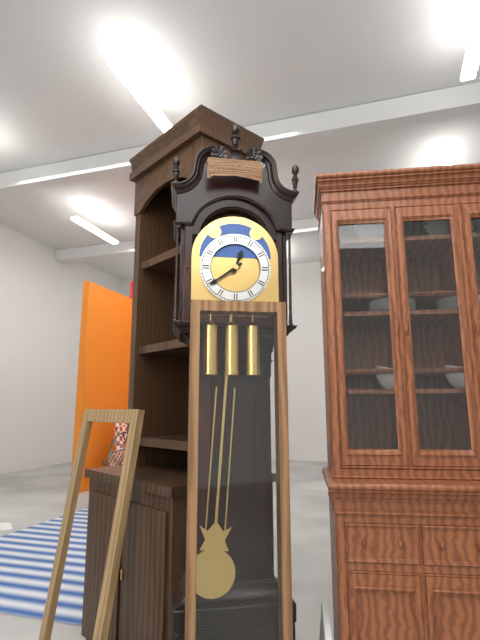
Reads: 12.39
